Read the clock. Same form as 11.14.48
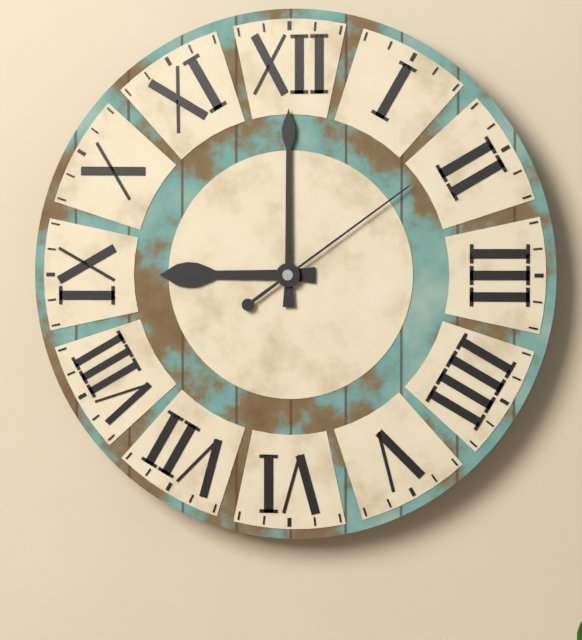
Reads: 9.00.09
